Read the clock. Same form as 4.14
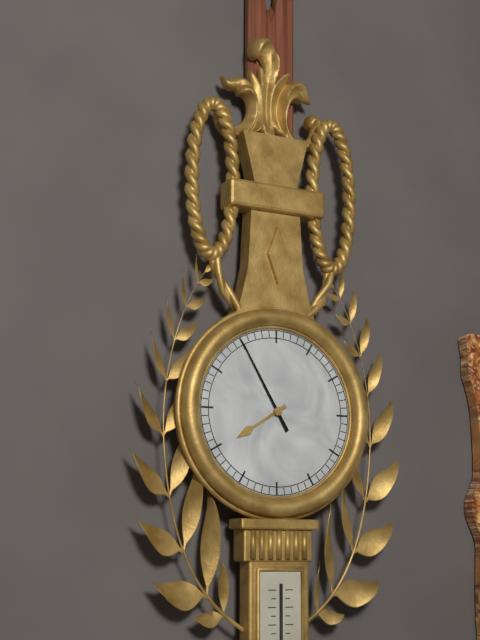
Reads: 7.55
